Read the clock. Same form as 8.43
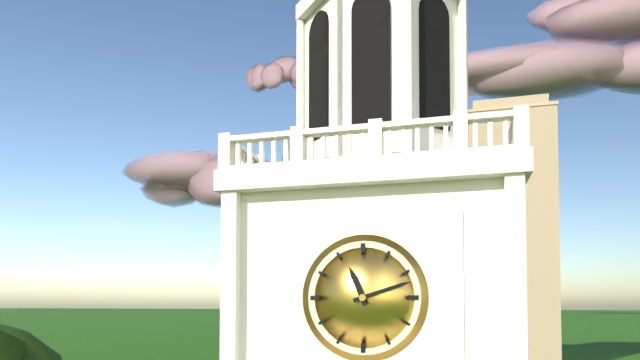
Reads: 11.12
